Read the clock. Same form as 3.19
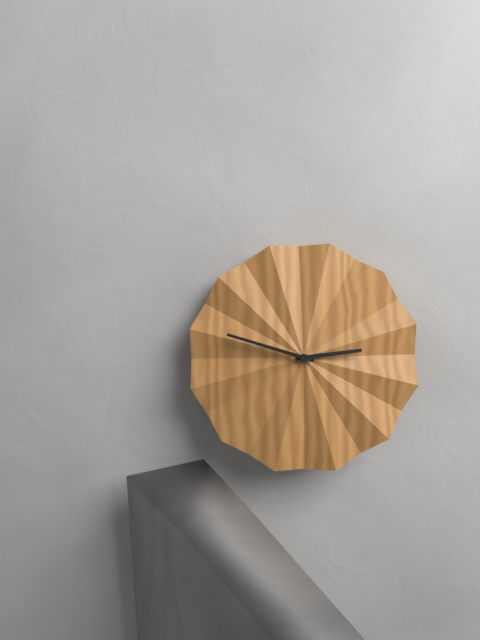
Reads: 2.48
